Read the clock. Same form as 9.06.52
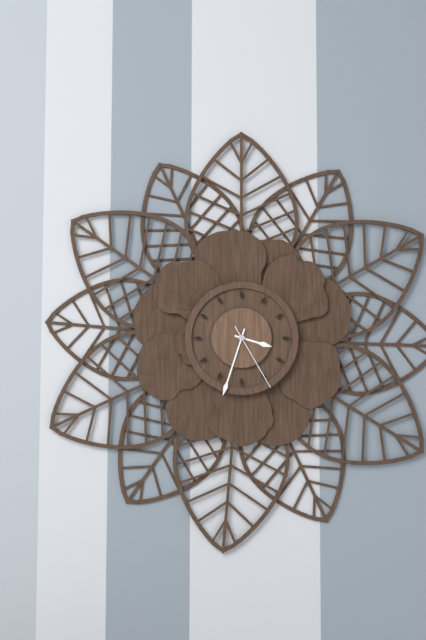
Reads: 3.33.25
